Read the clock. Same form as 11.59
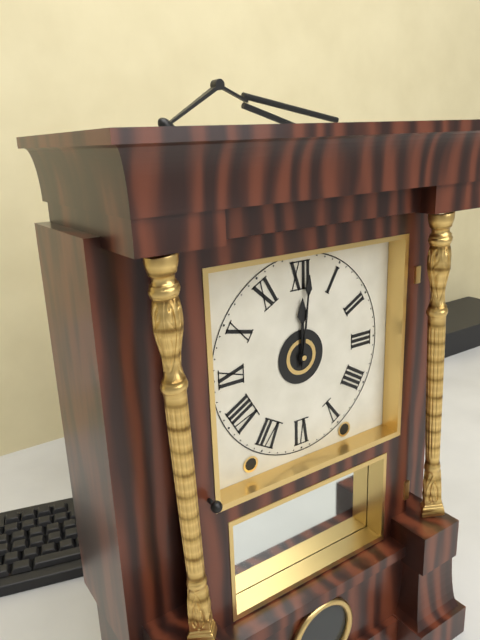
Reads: 12.01
